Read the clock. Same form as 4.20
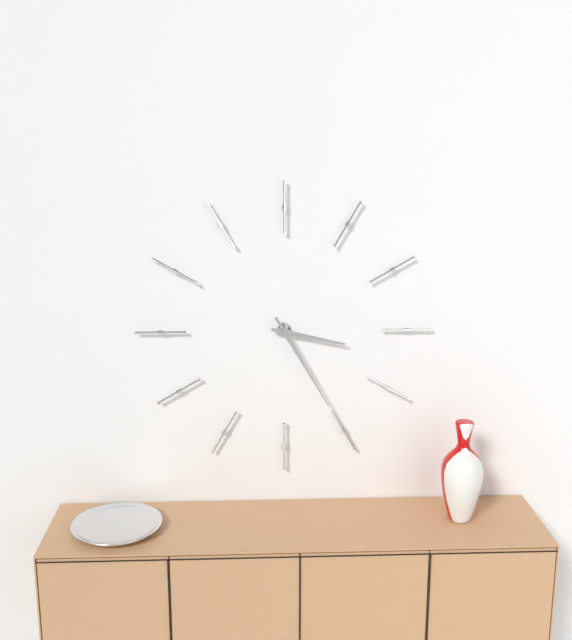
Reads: 3.25
